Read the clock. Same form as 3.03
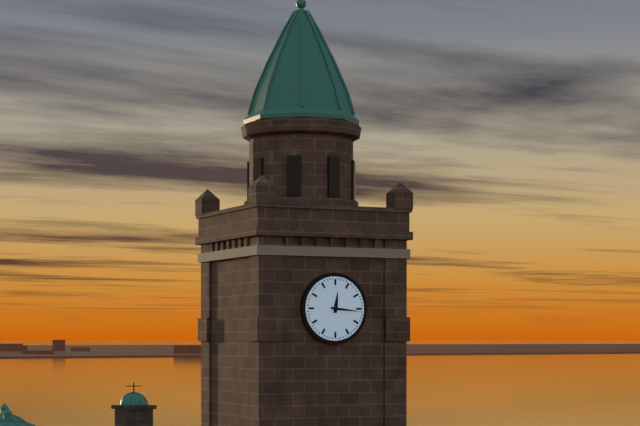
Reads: 12.16
